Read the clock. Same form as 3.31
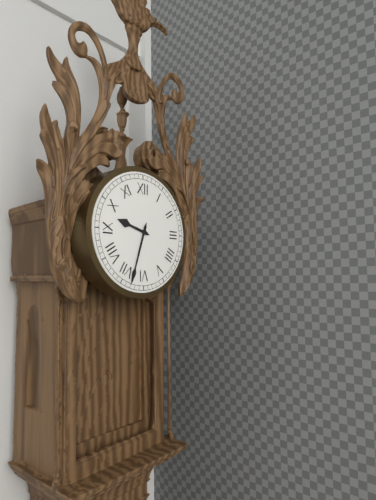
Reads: 9.33
